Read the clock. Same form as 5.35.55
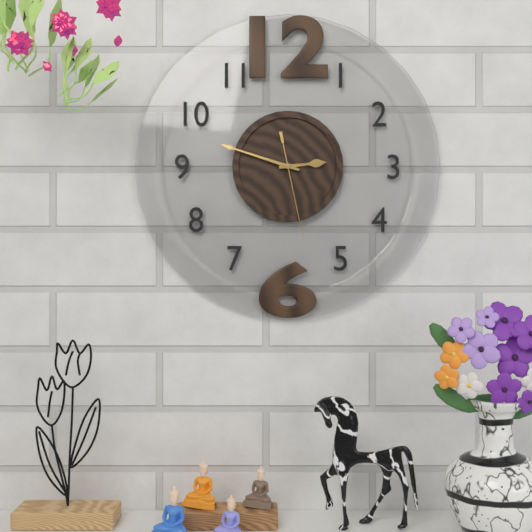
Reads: 2.48.28
